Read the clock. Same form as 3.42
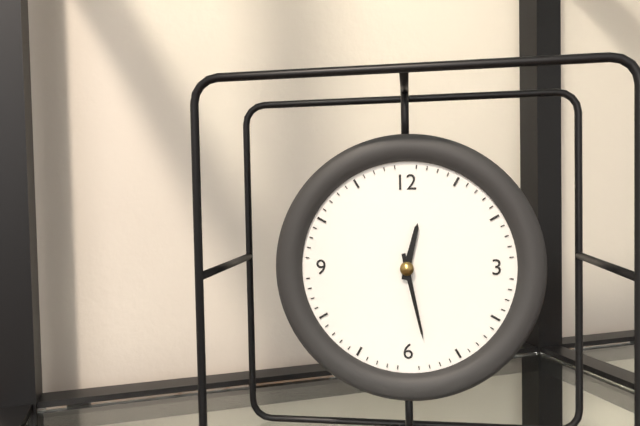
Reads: 12.28
